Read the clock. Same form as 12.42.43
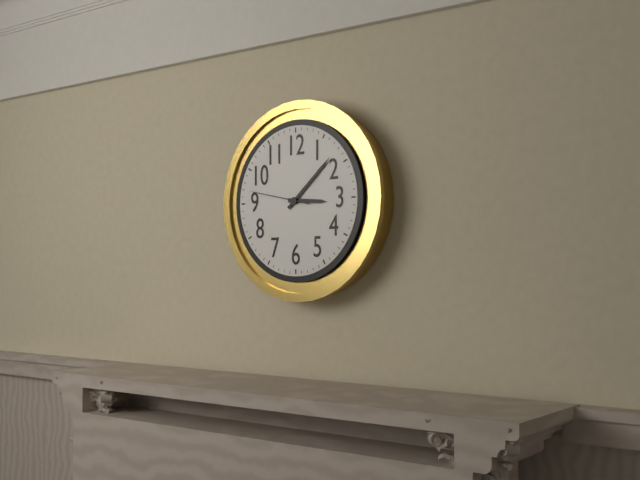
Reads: 3.08.47
